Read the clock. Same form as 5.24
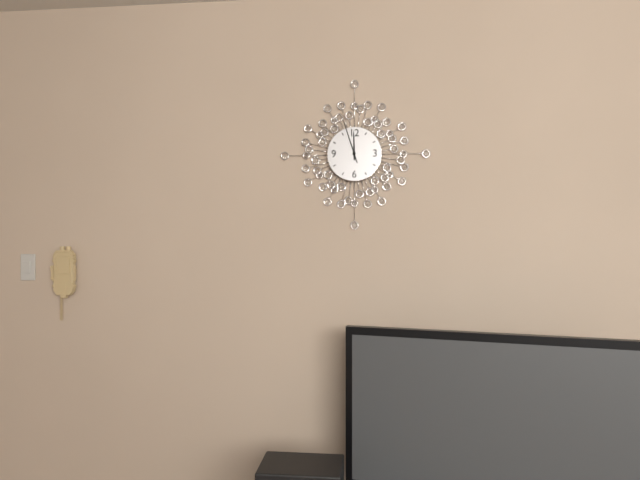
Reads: 11.57
